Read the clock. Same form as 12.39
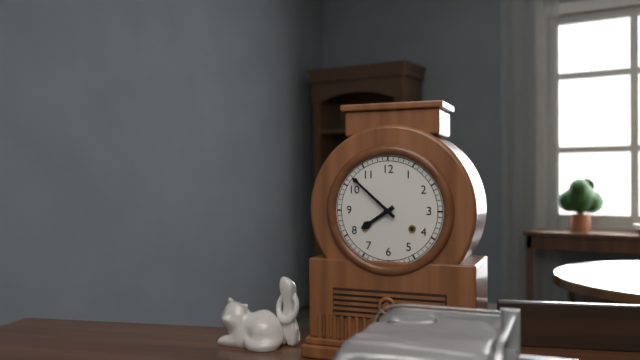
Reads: 7.52
